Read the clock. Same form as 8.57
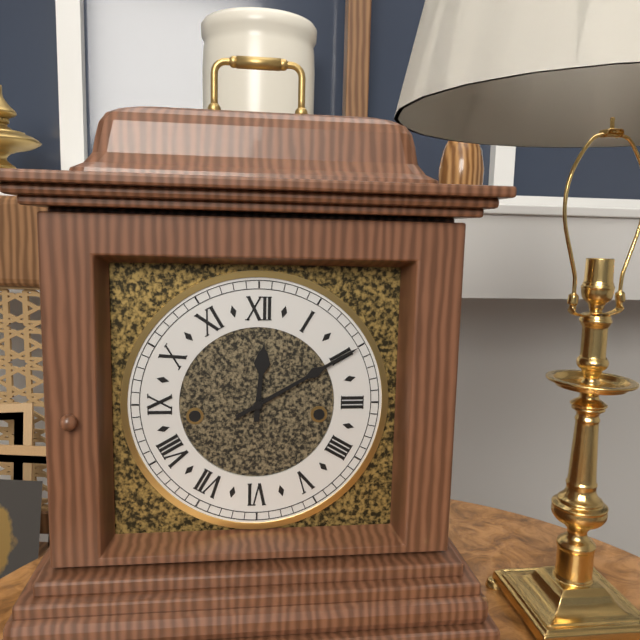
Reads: 12.10
